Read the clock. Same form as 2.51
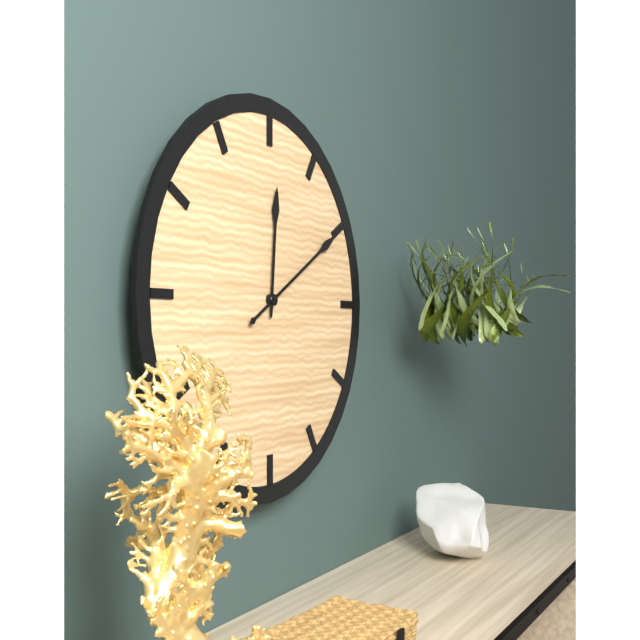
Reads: 12.10
